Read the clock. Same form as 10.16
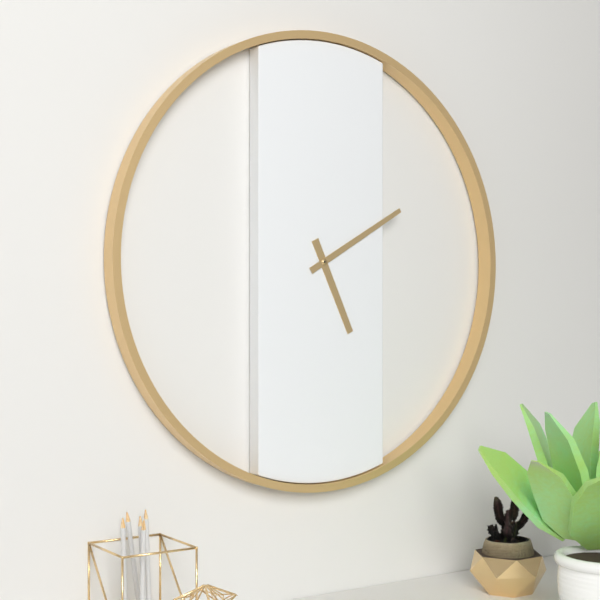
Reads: 5.10
